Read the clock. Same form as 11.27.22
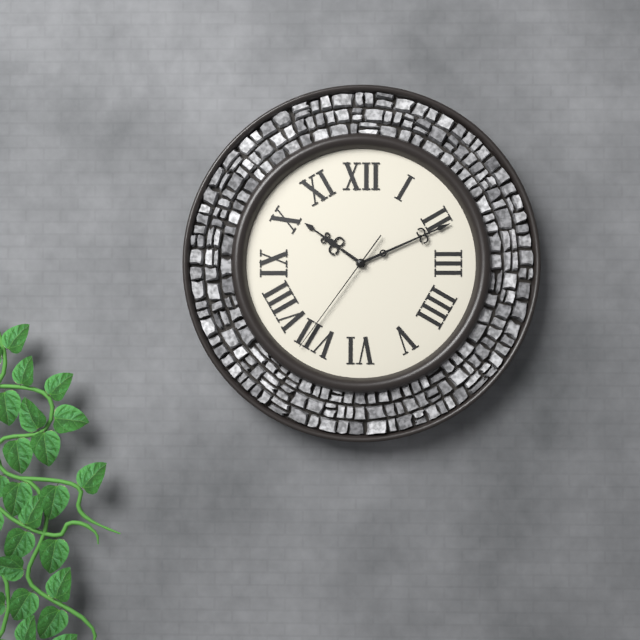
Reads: 10.11.36
